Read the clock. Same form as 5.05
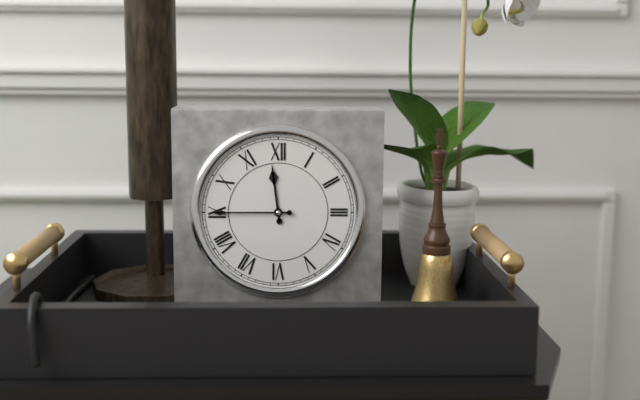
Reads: 11.45
